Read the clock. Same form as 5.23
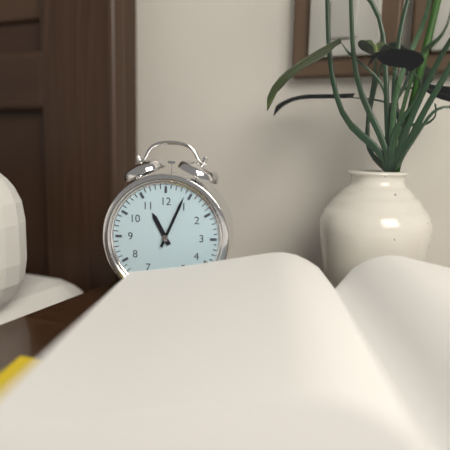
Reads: 11.04
